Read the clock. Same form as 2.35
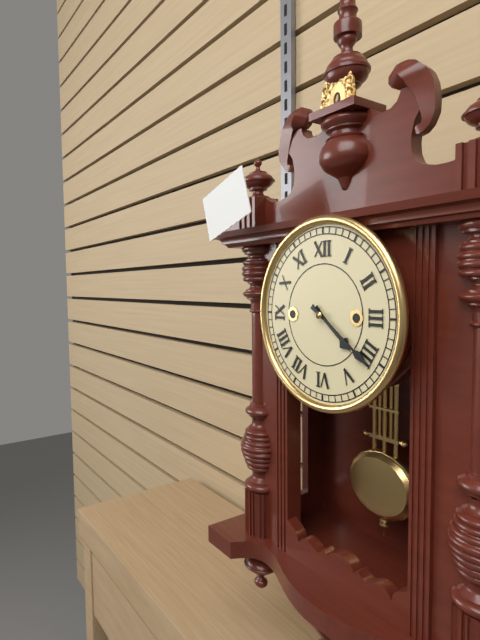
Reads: 4.21
